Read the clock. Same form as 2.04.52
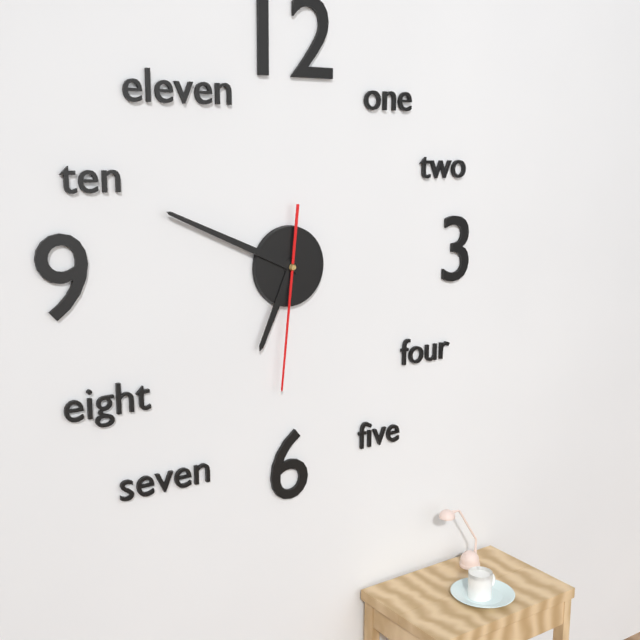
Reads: 6.49.31
